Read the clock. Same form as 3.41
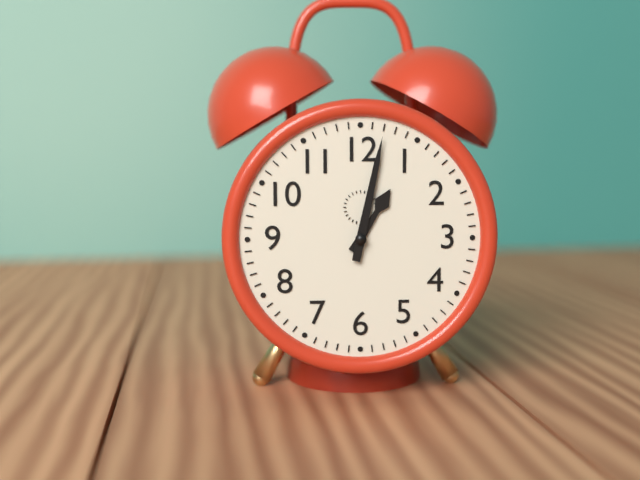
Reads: 1.02
